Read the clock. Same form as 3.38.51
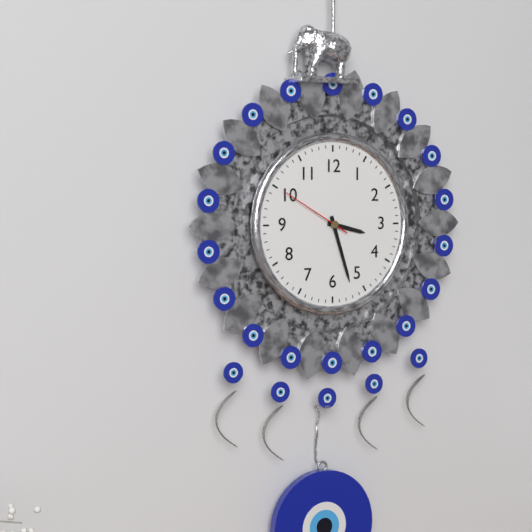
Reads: 3.27.50
